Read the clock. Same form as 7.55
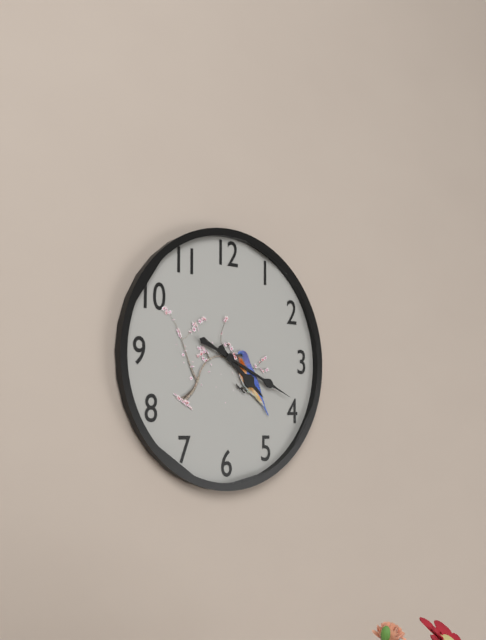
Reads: 4.19
